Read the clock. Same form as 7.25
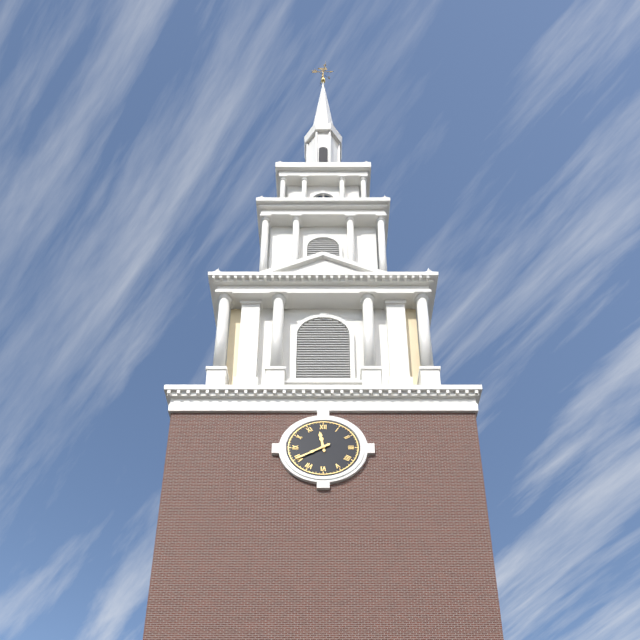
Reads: 11.40
